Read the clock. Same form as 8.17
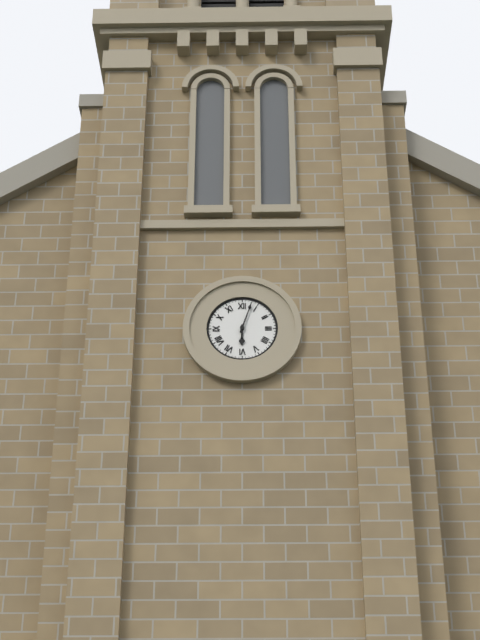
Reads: 6.03
